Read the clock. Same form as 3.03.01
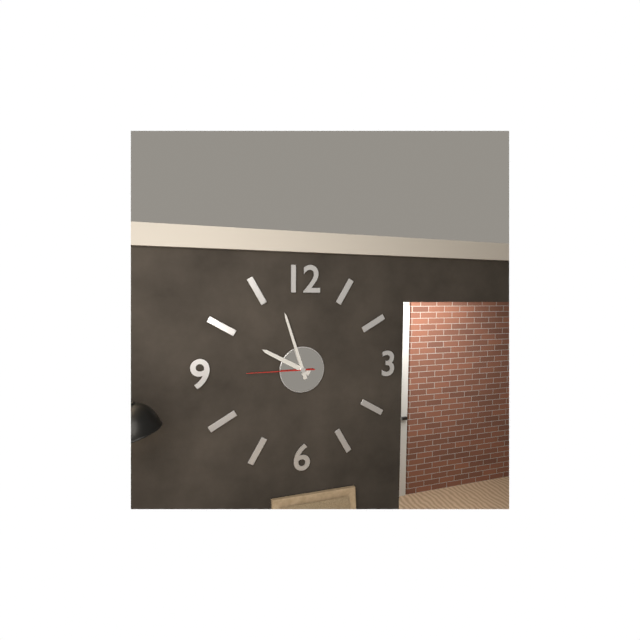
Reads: 9.57.45
